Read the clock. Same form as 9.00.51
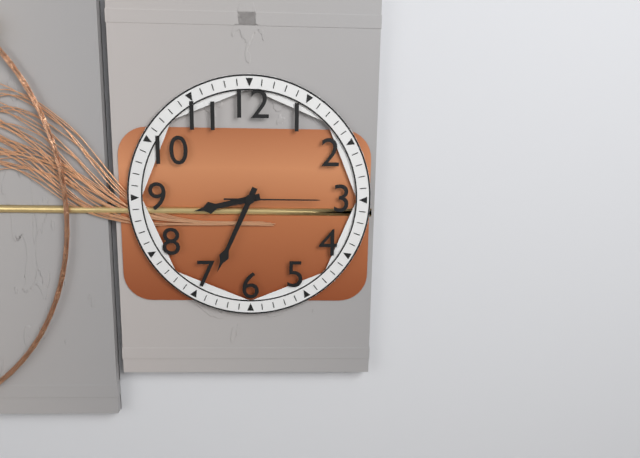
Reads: 8.34.15
